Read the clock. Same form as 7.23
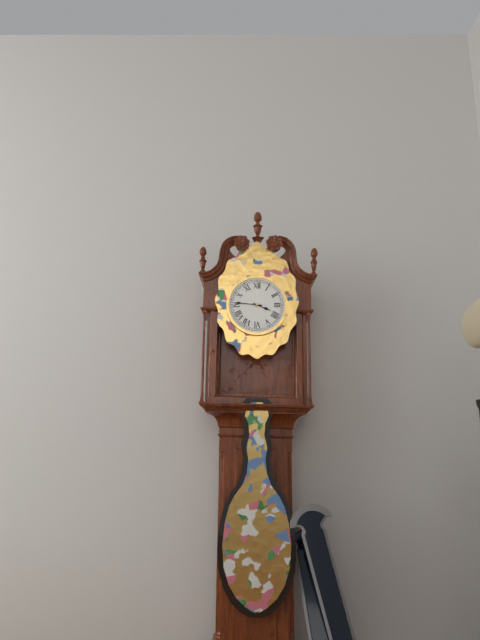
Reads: 3.46
